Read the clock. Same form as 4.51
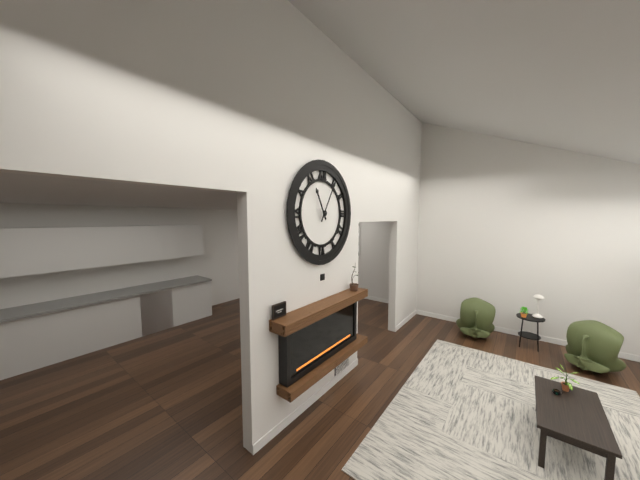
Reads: 11.05
